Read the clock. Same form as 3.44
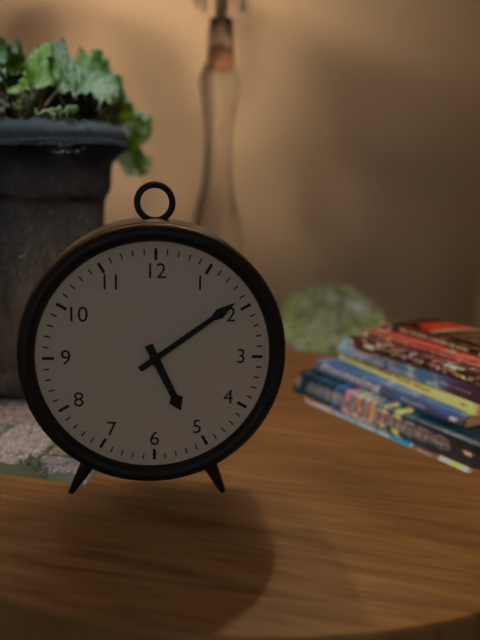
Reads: 5.09
